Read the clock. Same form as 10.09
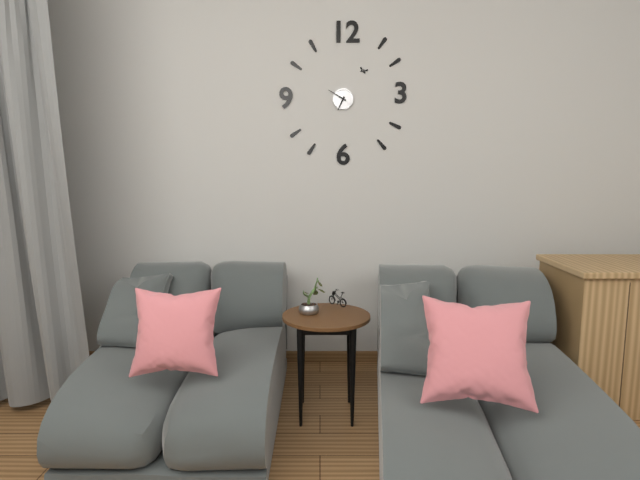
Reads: 6.50
